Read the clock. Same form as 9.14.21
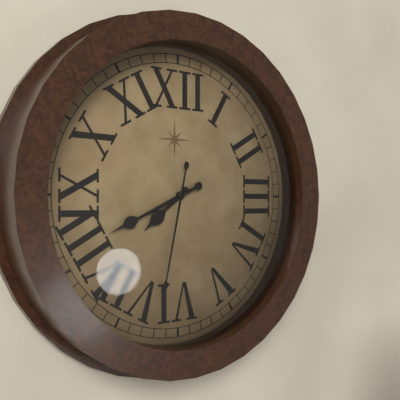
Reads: 7.41.32
